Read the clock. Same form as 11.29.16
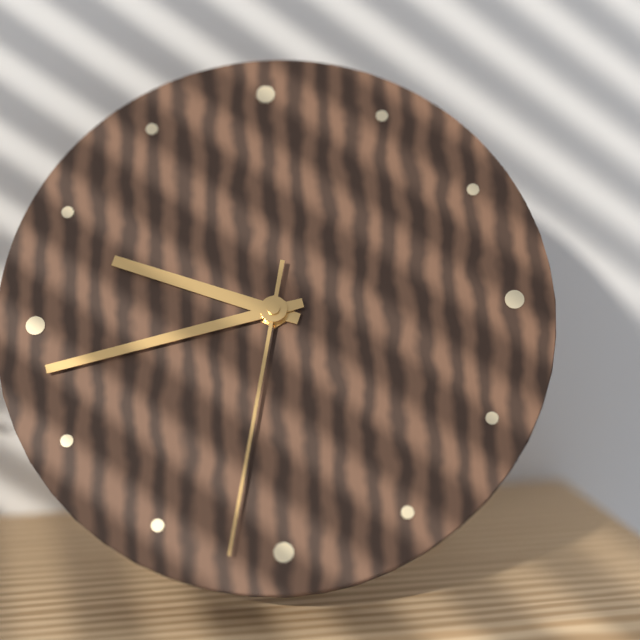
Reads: 9.43.32
